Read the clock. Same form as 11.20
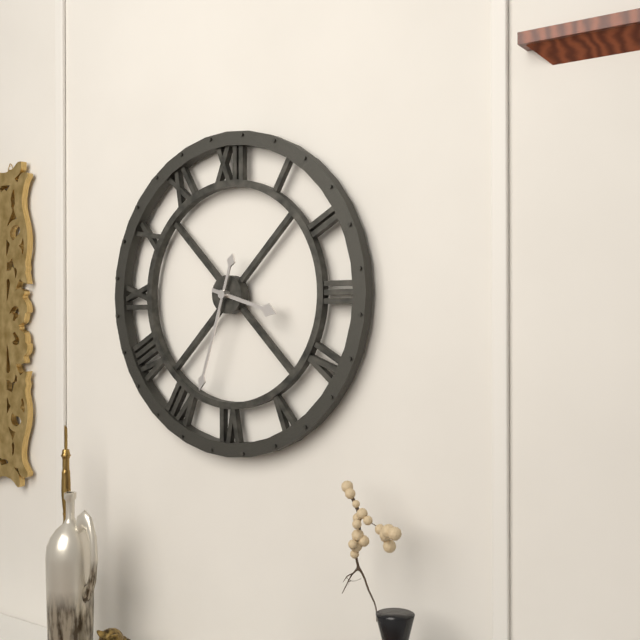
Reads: 3.33
